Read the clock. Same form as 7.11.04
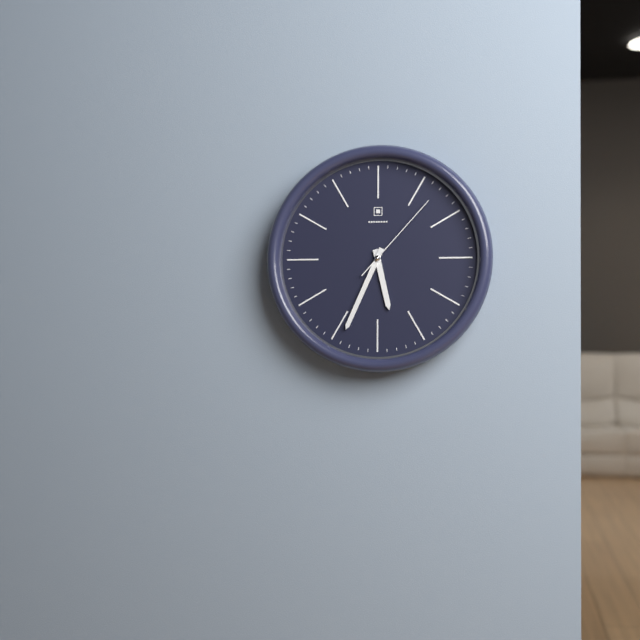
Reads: 5.34.07
